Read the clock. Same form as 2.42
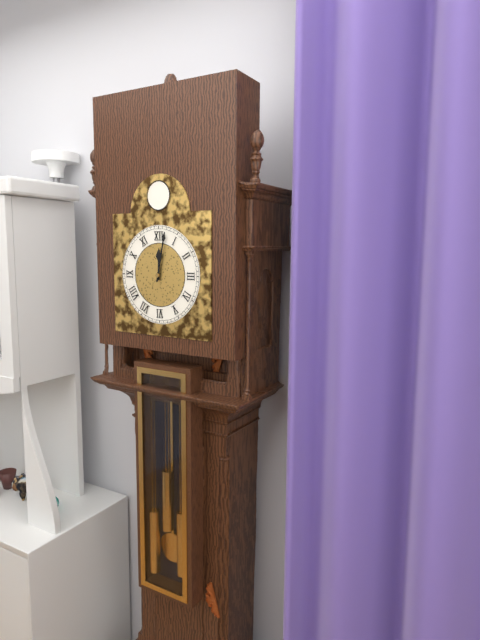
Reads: 12.02
